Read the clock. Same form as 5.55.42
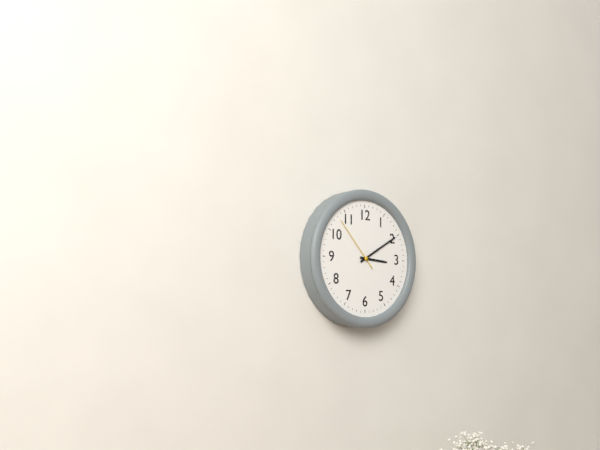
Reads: 3.10.53
